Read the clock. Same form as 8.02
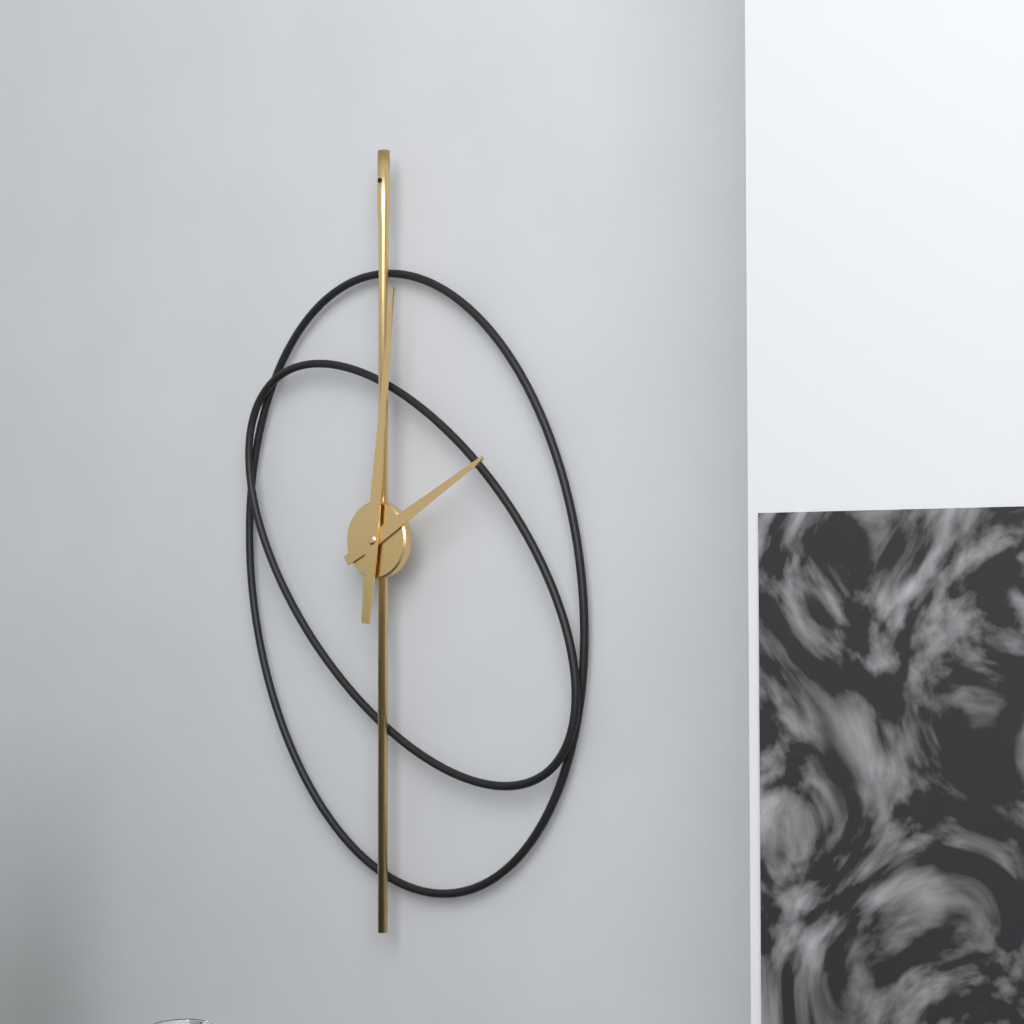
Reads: 2.01
